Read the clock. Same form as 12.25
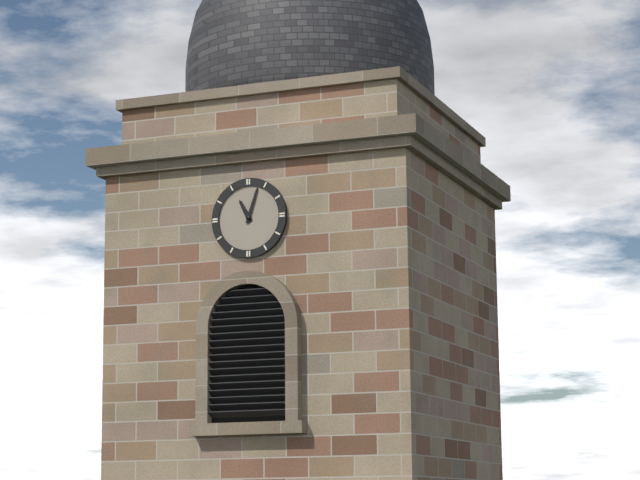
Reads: 11.03
